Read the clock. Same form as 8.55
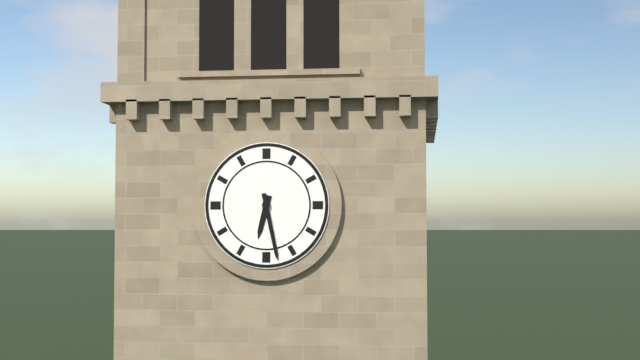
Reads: 6.28
